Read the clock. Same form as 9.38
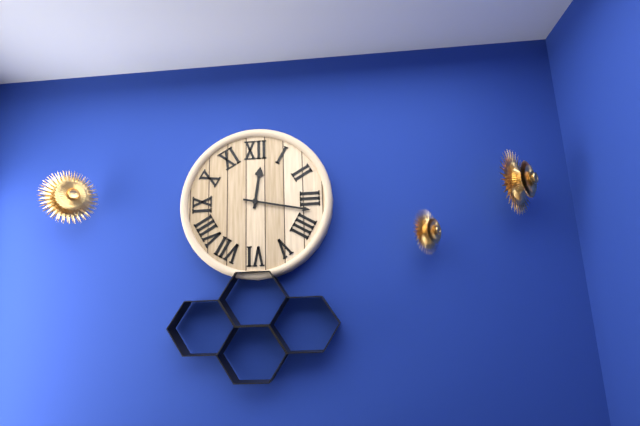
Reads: 12.17
